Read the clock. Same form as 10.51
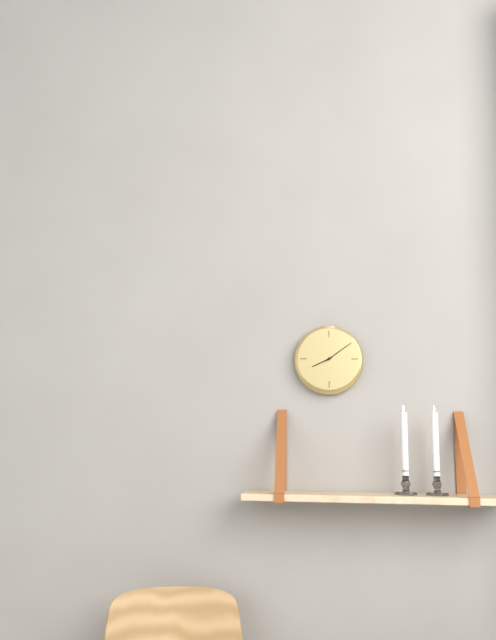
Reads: 8.09
